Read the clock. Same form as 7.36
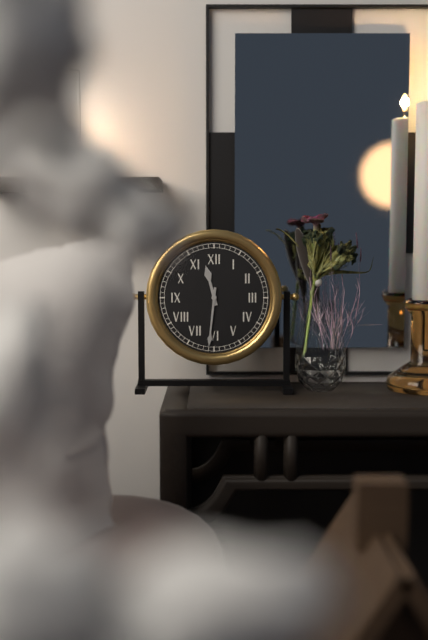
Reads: 11.31
